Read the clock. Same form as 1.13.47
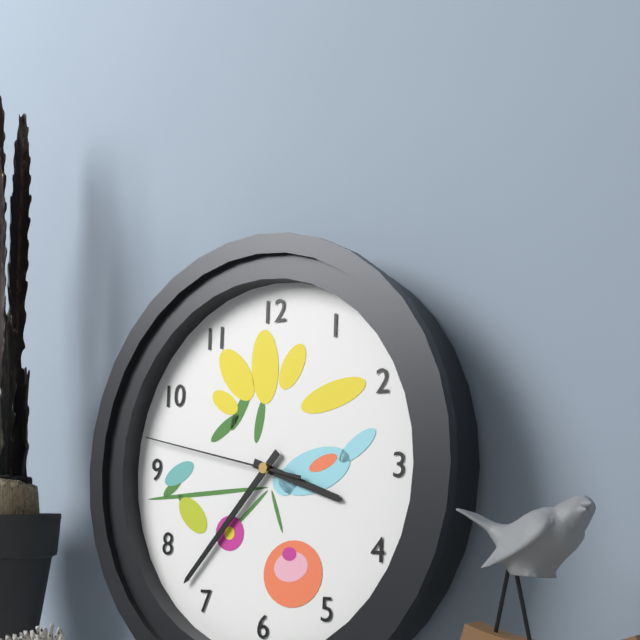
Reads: 3.37.47
